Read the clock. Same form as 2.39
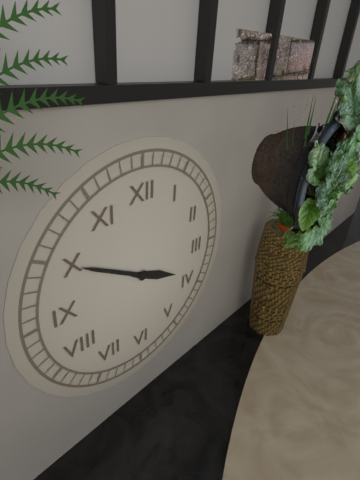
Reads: 3.50
